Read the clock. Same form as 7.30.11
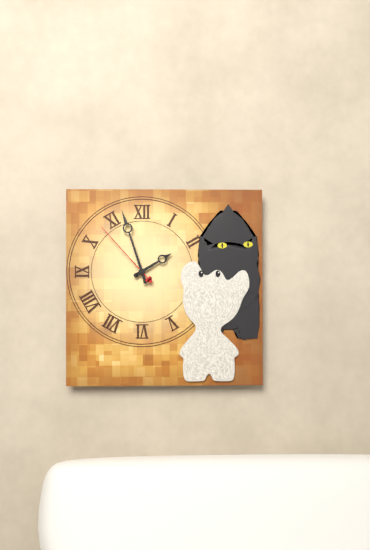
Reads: 1.57.53
